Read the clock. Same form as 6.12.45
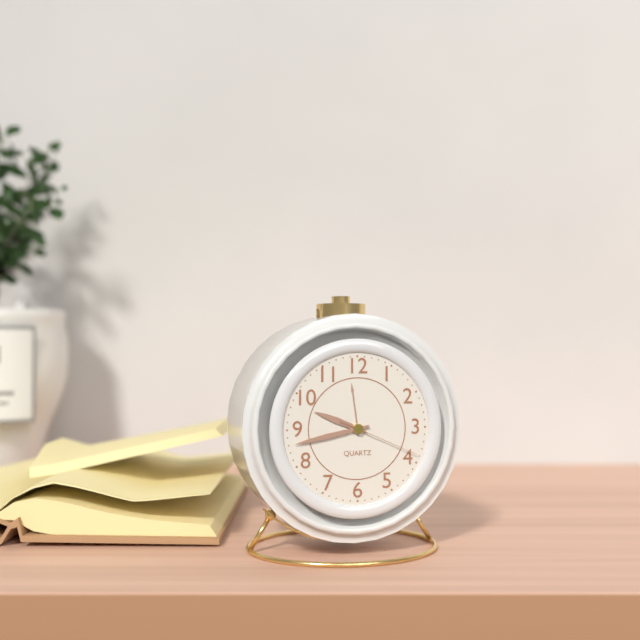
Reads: 9.43.19
